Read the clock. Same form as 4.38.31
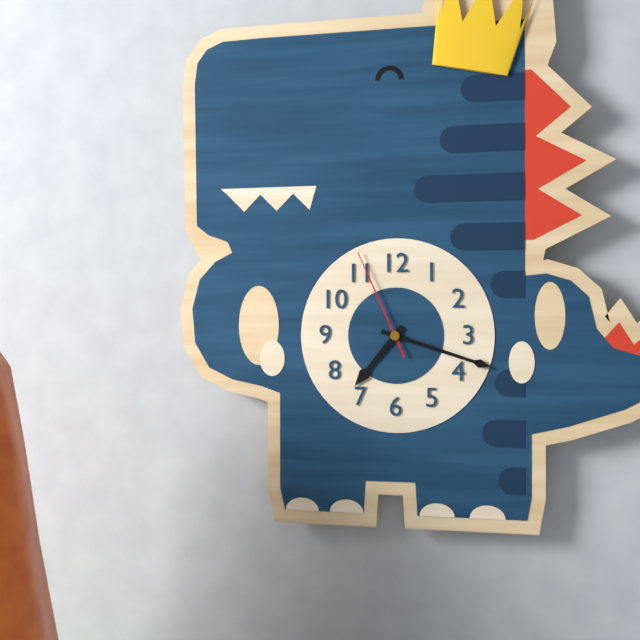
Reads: 7.18.56
